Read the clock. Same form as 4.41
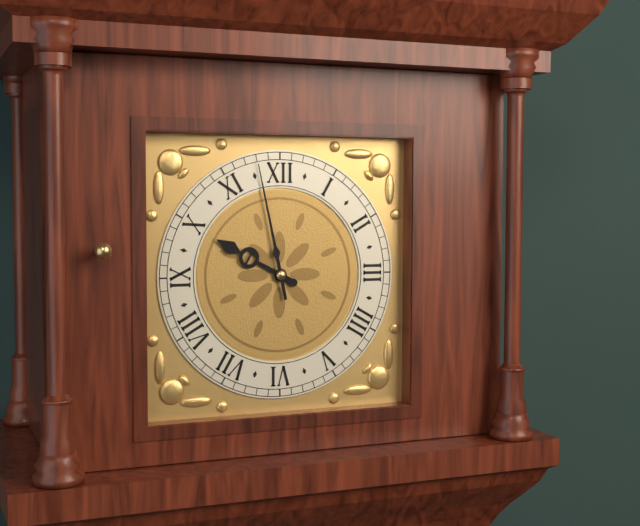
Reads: 9.58
